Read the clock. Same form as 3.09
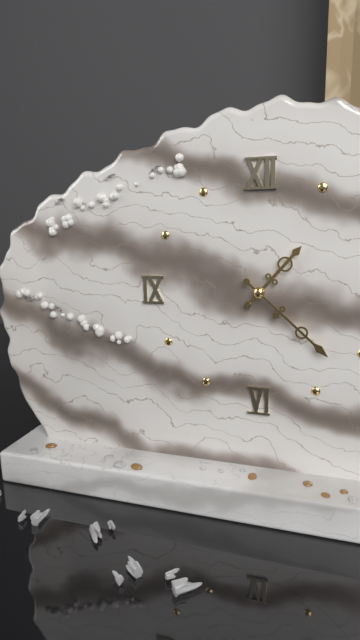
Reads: 1.22
